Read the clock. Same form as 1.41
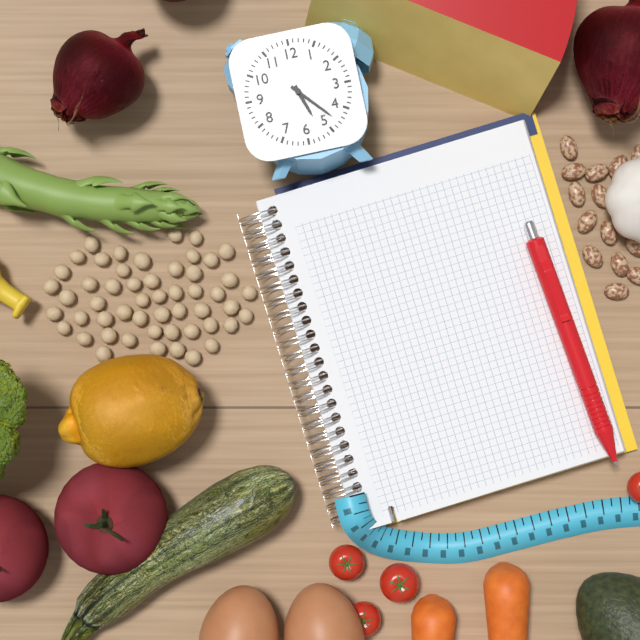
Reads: 5.23
